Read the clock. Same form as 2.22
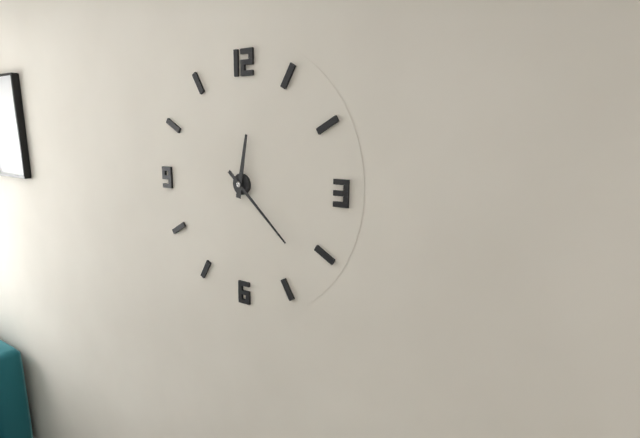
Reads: 12.22
